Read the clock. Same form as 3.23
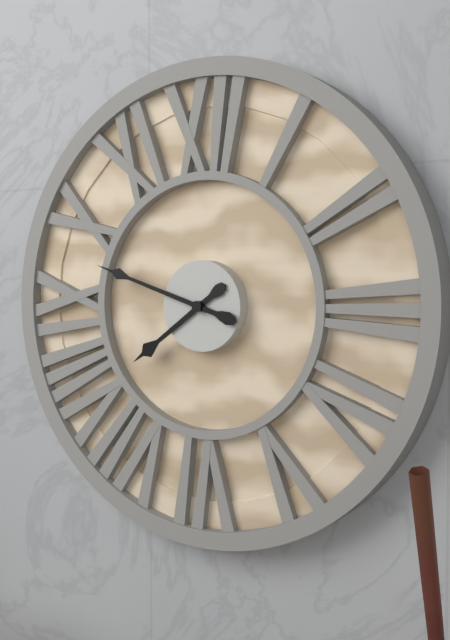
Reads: 7.48
